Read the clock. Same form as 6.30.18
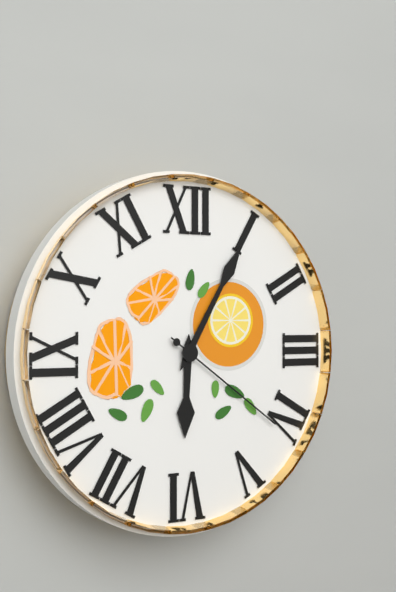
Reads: 6.05.21
